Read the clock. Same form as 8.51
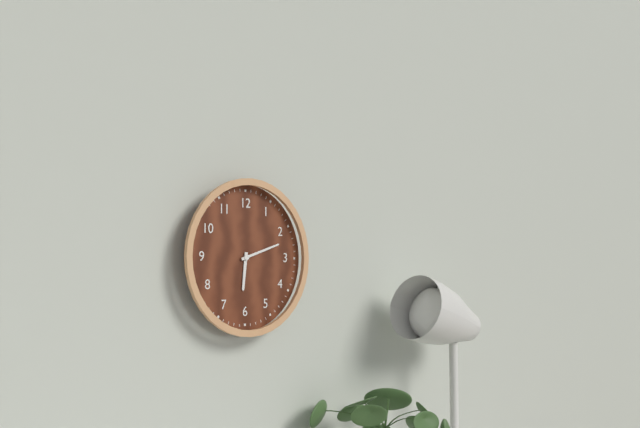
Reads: 6.12
